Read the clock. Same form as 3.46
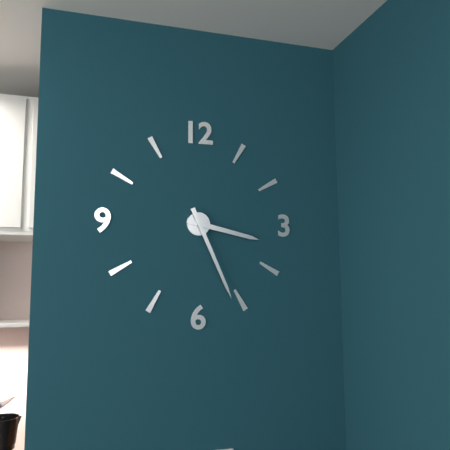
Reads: 3.26
